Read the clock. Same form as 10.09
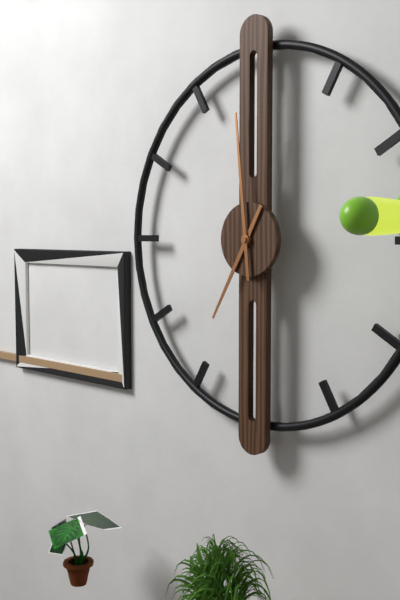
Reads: 6.59
